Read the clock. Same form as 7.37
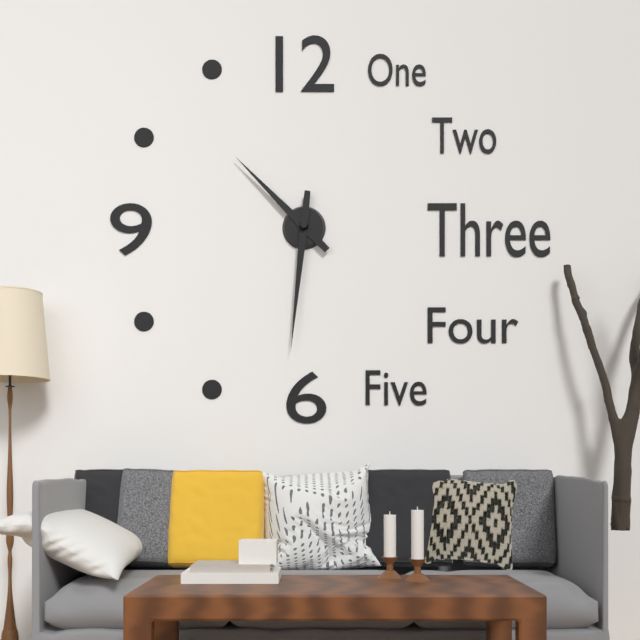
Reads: 10.31
